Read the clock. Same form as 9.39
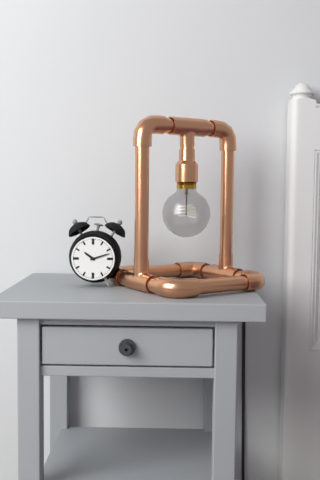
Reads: 10.12
